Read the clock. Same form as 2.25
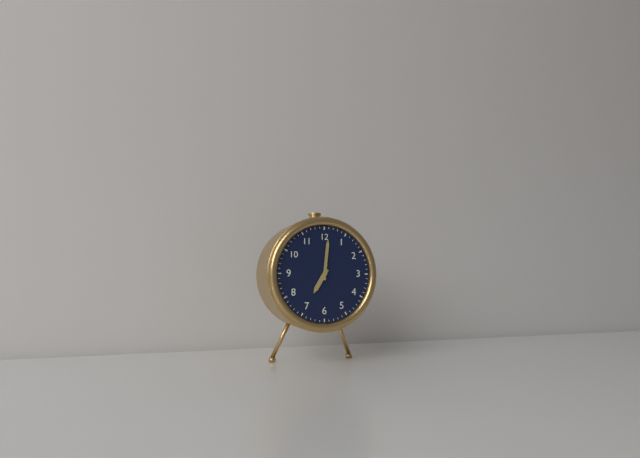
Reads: 7.01
